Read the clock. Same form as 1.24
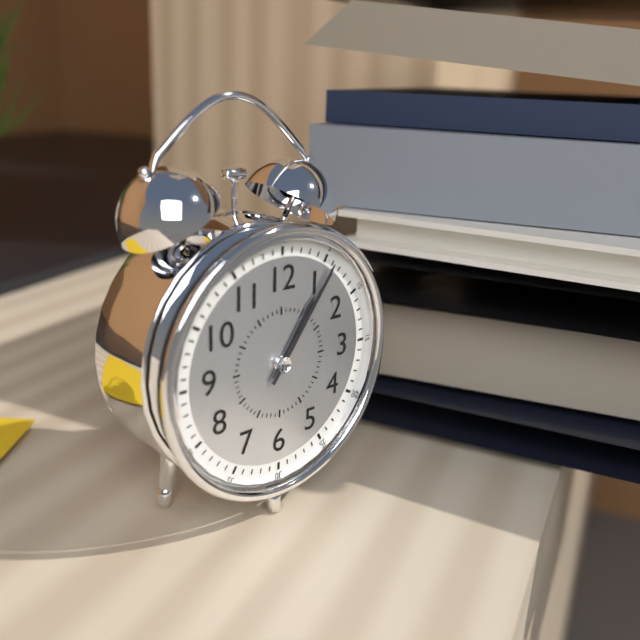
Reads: 1.06
